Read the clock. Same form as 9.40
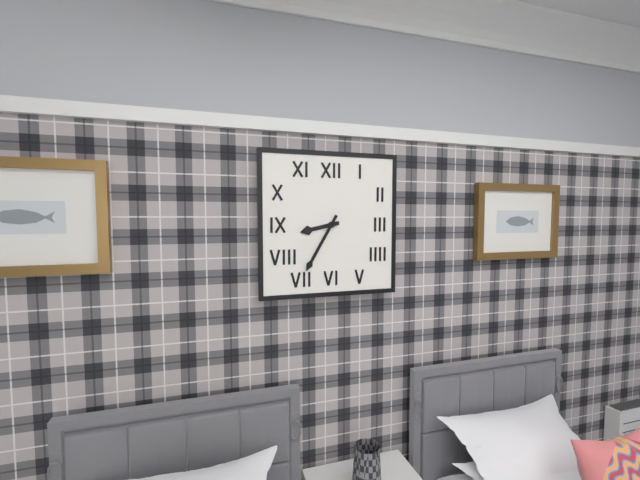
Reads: 8.35
